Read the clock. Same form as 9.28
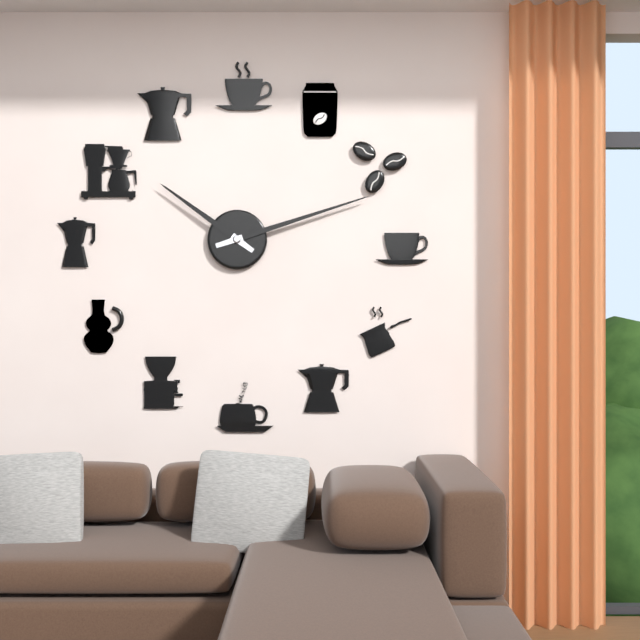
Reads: 10.12
